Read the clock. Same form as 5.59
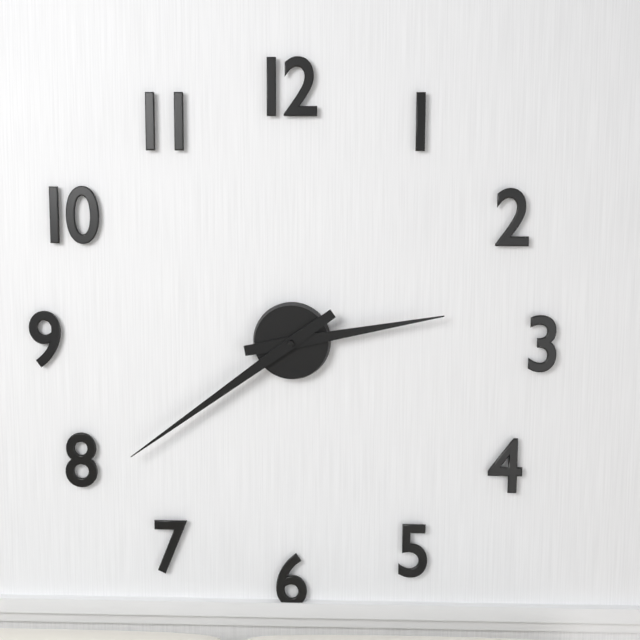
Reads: 2.39
